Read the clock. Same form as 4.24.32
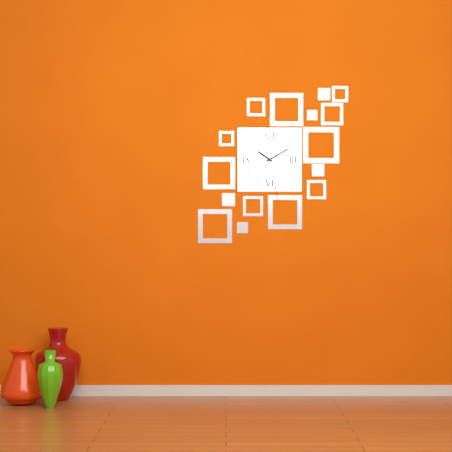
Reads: 10.10.28
